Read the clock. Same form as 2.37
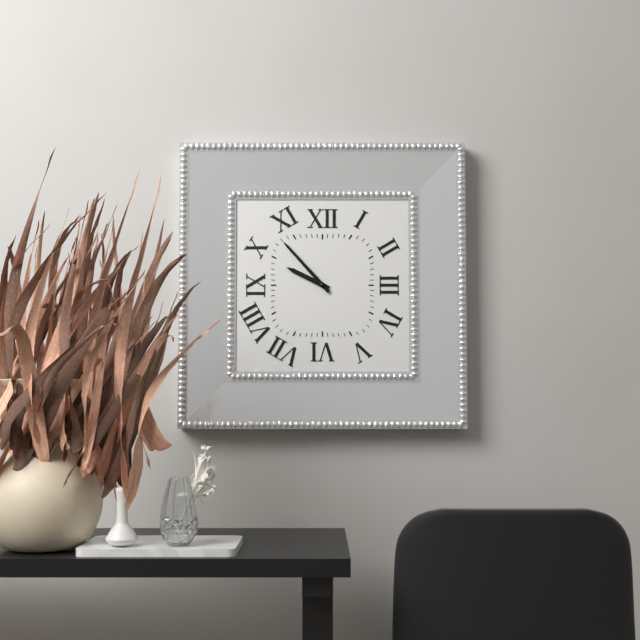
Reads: 9.53
